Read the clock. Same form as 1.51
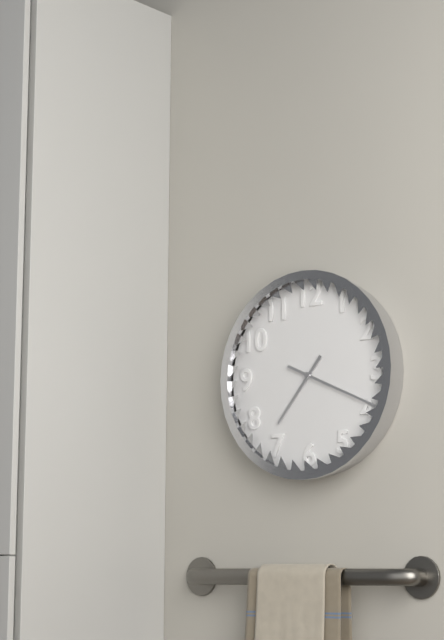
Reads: 7.19
